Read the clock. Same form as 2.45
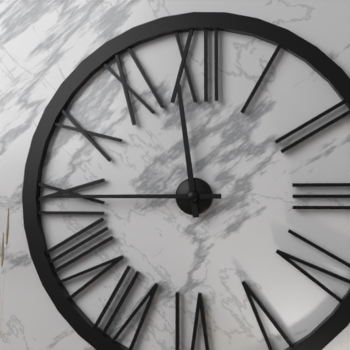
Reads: 11.45
